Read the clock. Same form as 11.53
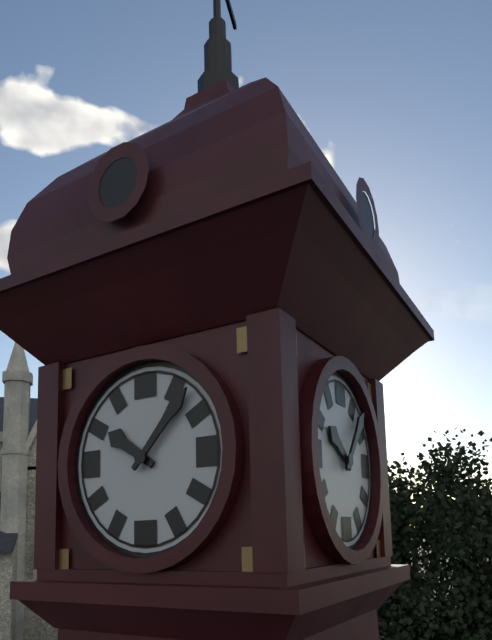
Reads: 10.07
